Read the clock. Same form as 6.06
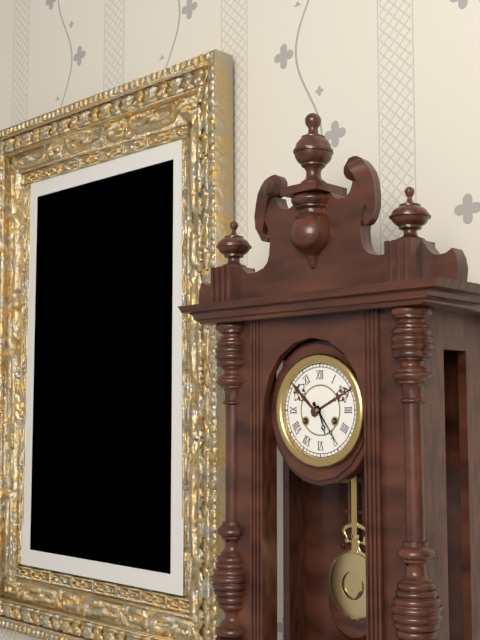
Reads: 5.24
